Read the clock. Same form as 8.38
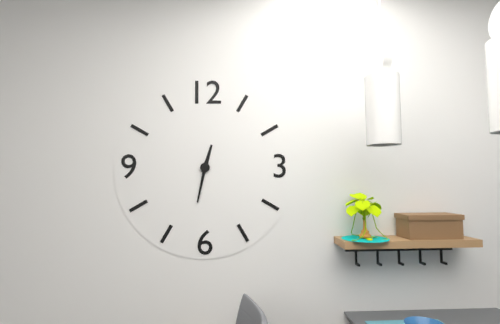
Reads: 12.32
